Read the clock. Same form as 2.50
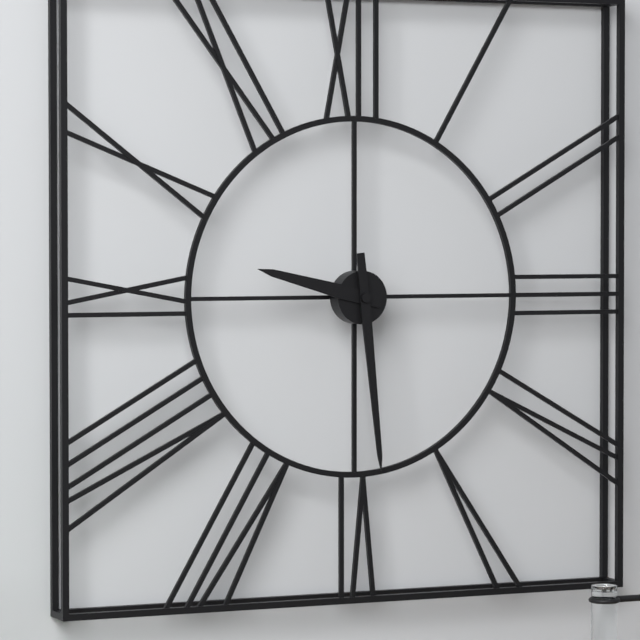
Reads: 9.29
